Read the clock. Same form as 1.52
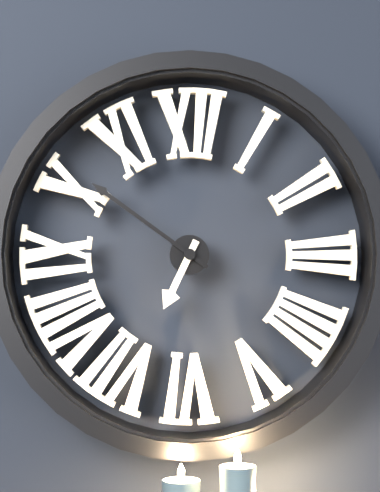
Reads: 6.51
